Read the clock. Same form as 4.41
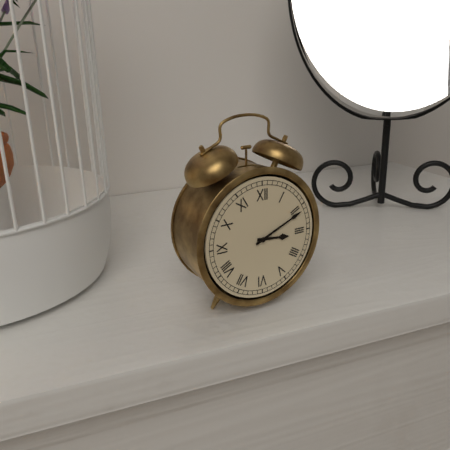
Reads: 3.11
